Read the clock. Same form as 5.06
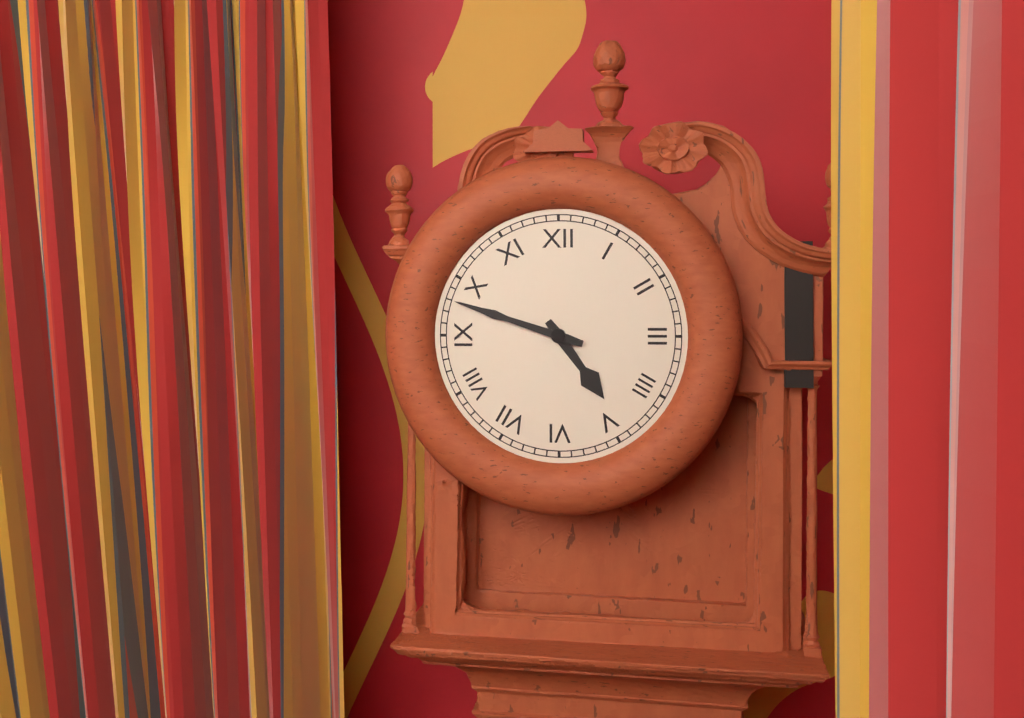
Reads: 4.48
